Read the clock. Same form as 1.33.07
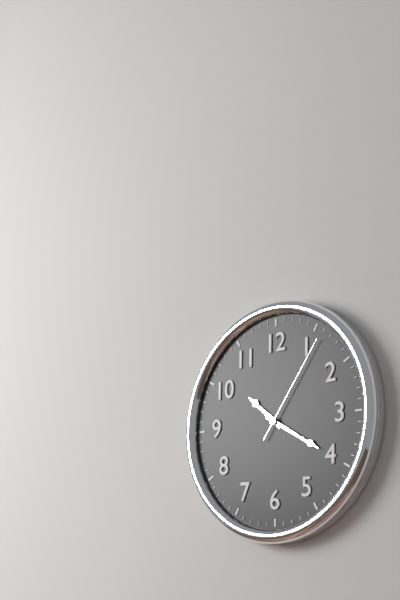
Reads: 10.20.06
